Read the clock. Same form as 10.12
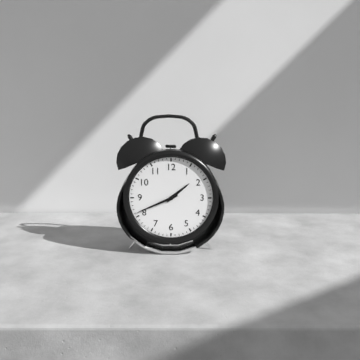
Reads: 1.41
